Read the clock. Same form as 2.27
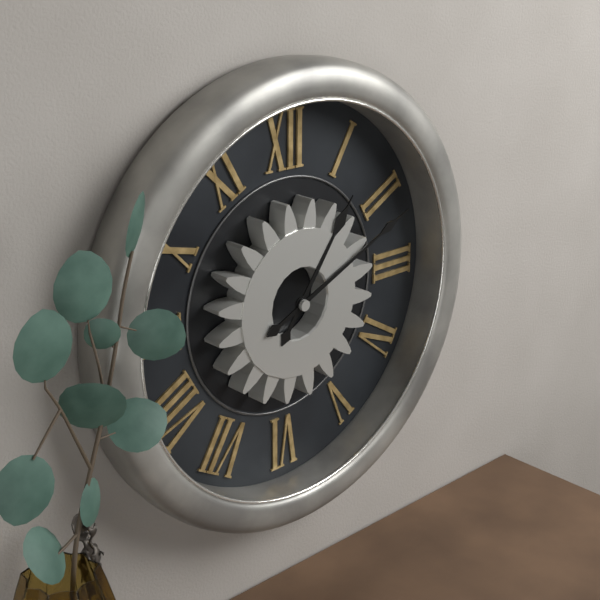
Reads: 1.11
